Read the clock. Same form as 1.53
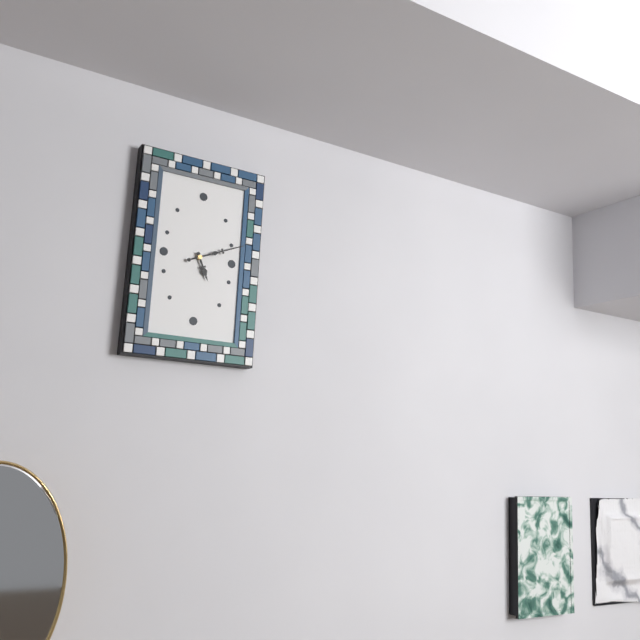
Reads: 5.11
